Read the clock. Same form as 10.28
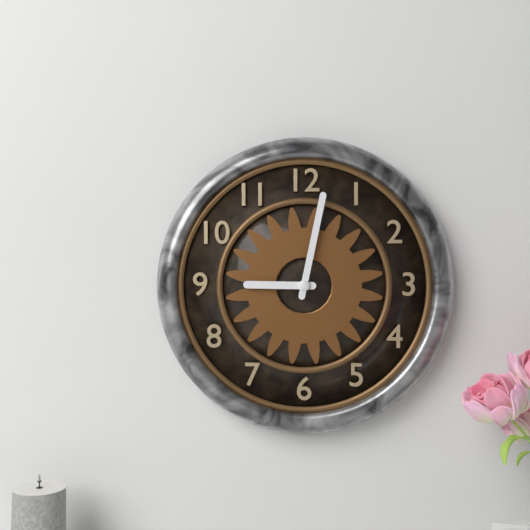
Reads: 9.02
